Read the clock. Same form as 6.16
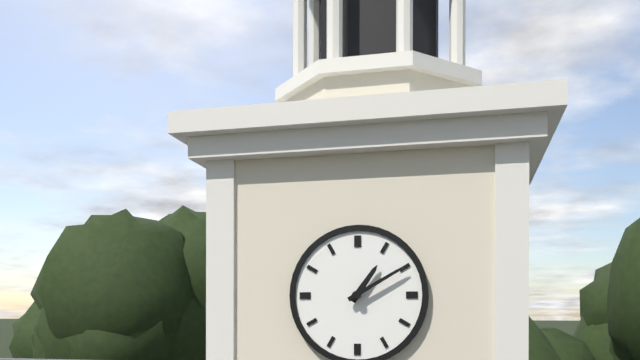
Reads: 1.10
